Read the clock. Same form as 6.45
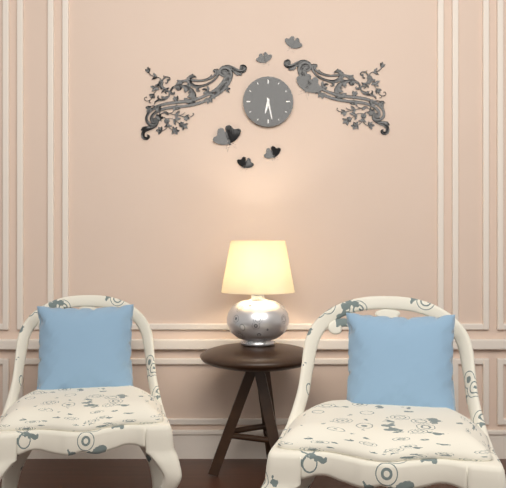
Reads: 6.28
